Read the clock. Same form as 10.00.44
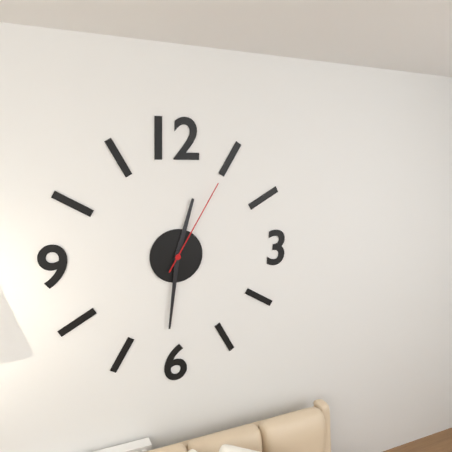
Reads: 12.31.05
